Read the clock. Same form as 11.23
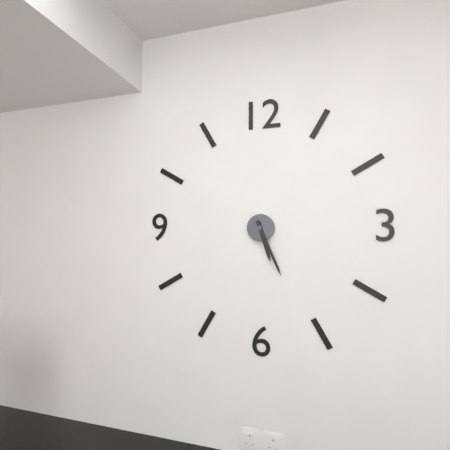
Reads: 5.26
